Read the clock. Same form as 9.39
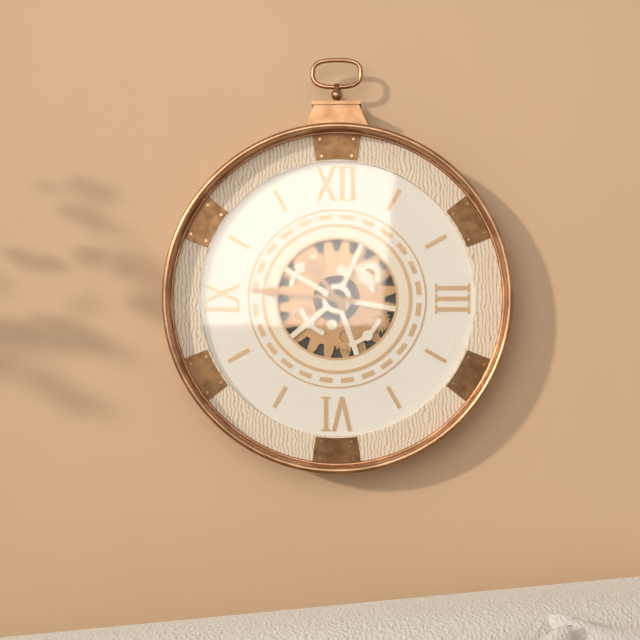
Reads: 10.46
